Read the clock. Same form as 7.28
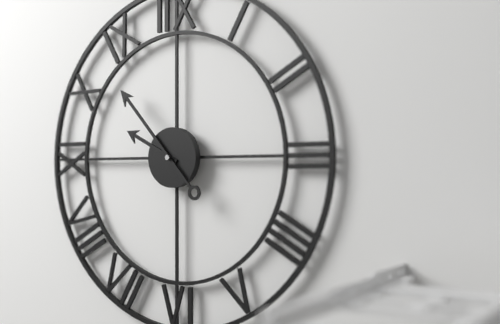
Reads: 9.53
